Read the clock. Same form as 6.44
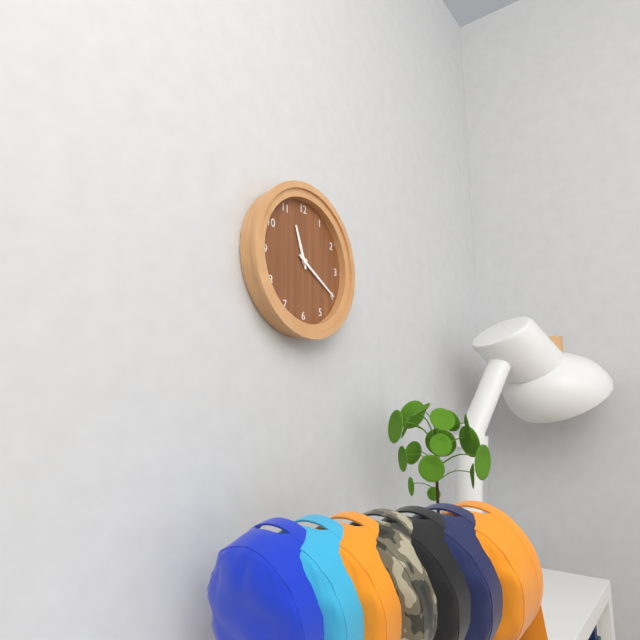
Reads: 11.20
